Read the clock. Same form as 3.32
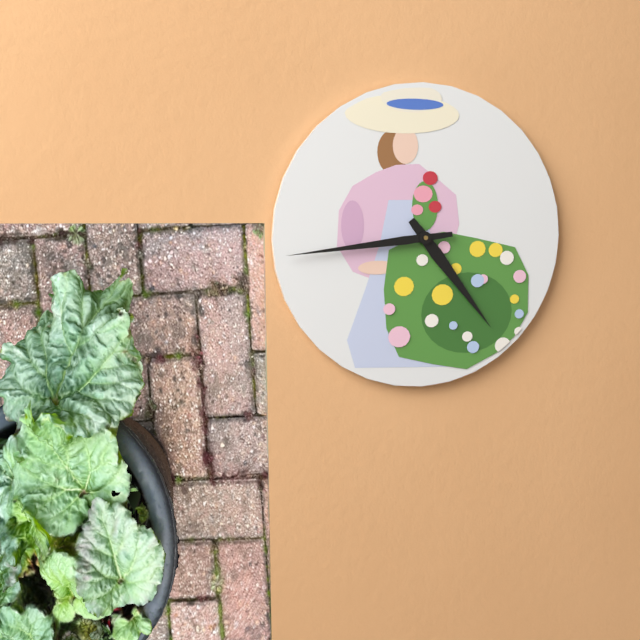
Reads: 4.44
